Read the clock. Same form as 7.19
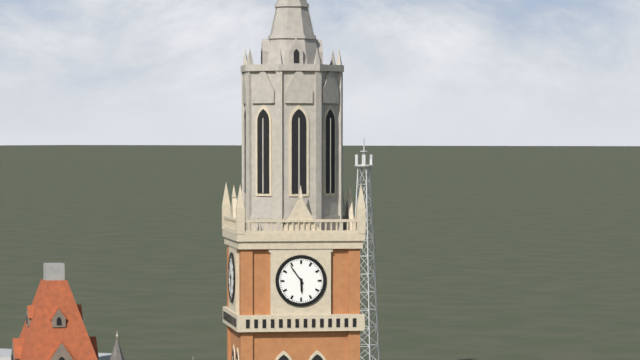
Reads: 5.54
